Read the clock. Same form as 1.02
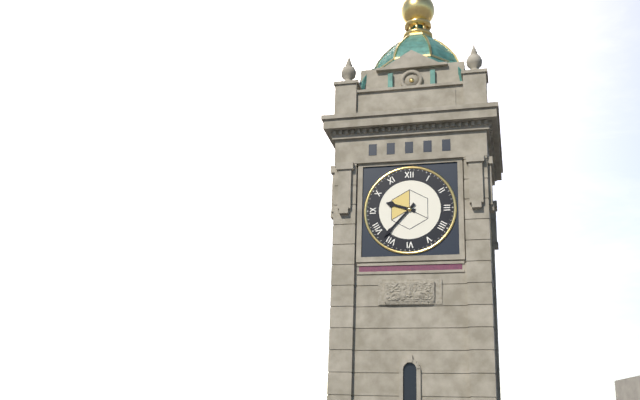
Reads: 9.37
